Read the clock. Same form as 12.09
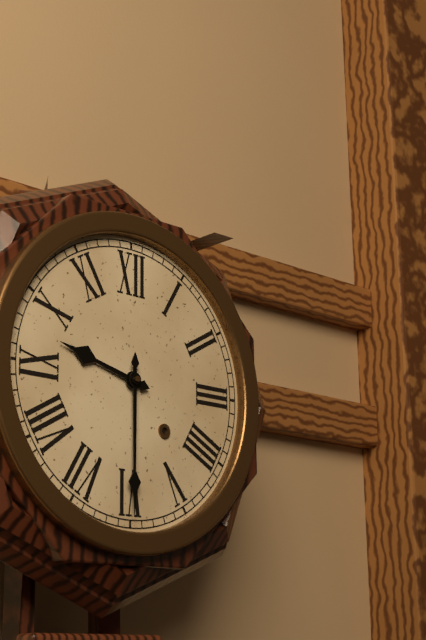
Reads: 9.30
